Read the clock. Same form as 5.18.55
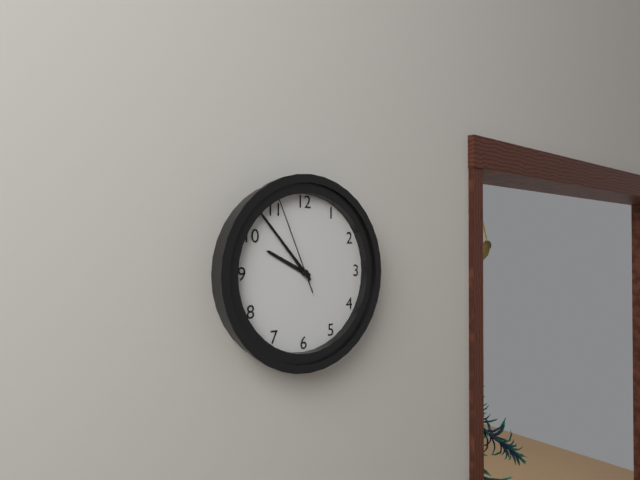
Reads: 9.53.56
